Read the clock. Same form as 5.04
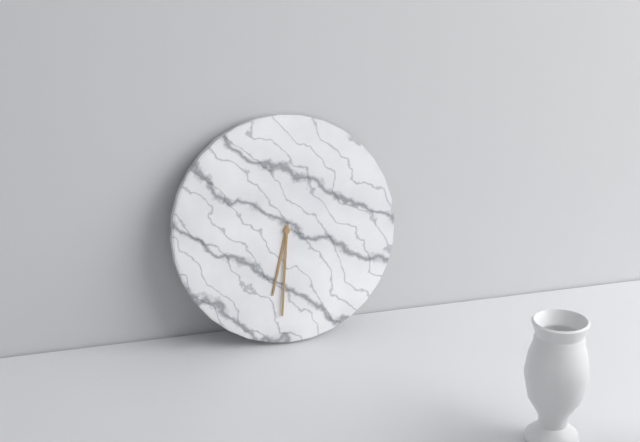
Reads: 6.31
